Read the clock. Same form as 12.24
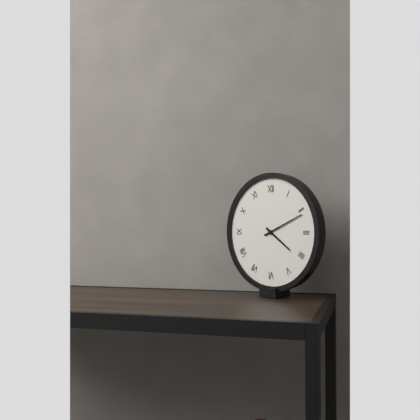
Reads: 4.11
